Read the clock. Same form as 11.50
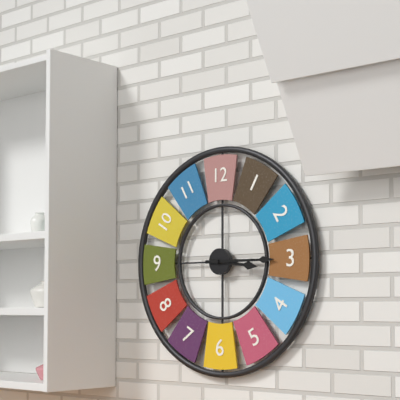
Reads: 3.15
